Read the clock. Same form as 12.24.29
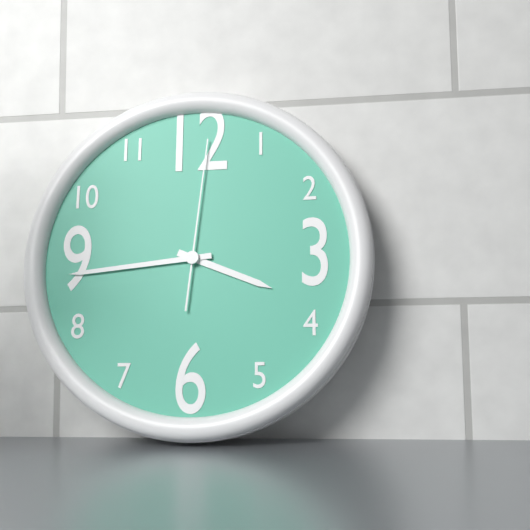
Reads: 3.44.01
